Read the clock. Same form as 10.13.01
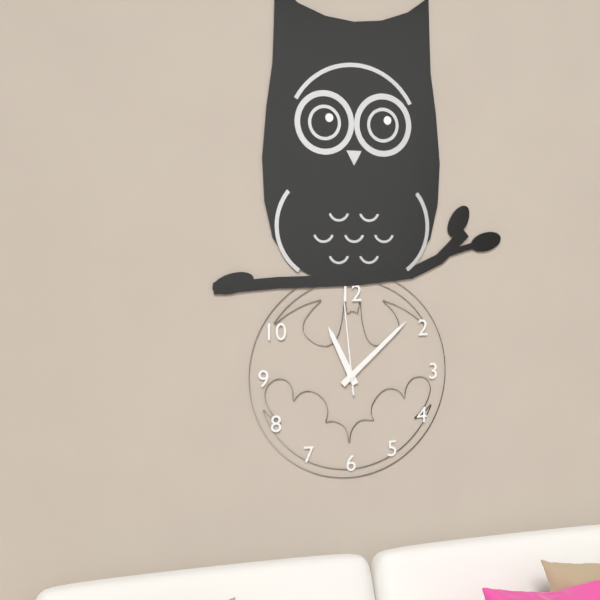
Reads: 11.08.59
